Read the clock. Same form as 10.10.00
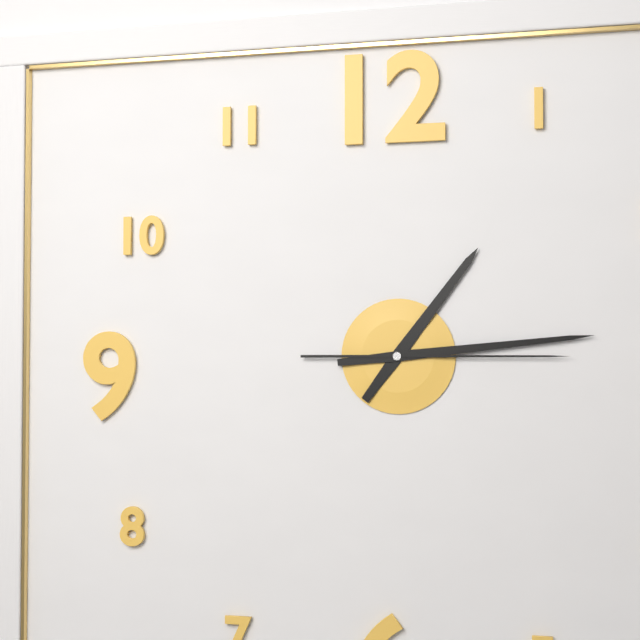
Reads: 1.14.15
